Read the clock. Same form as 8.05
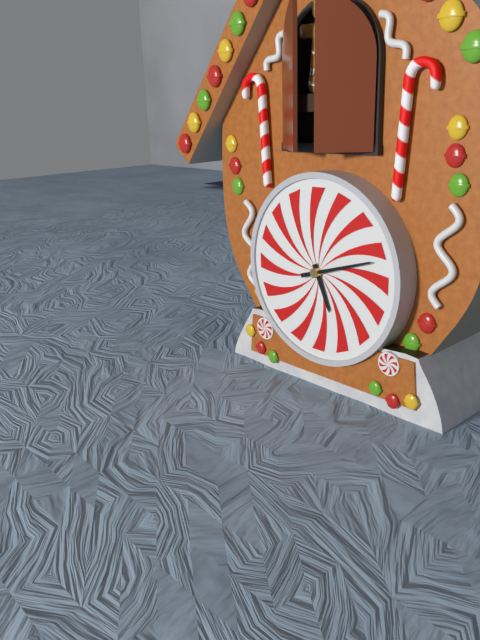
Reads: 5.12
